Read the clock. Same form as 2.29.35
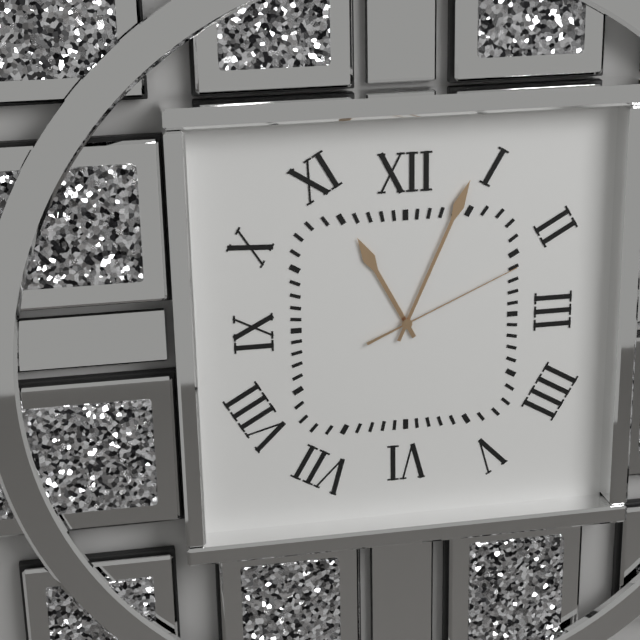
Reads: 11.04.11
